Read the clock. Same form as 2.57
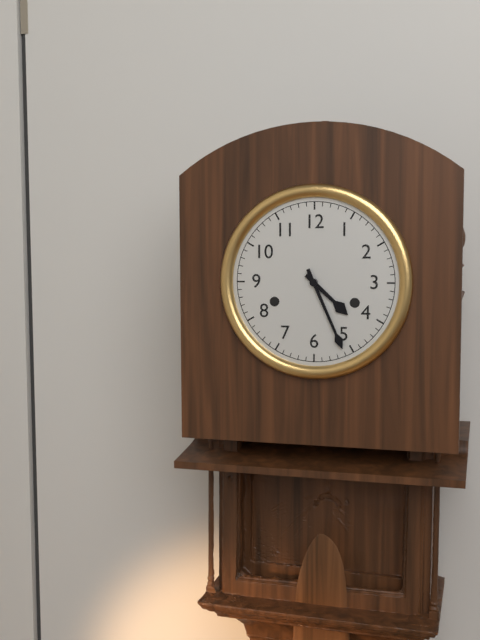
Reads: 4.26
